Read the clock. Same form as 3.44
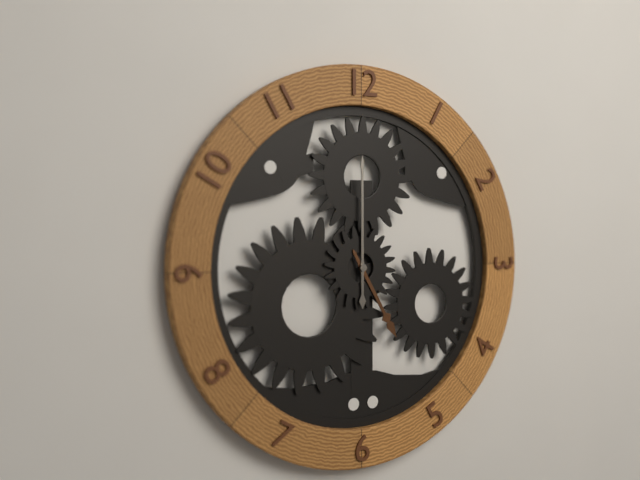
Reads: 5.00
